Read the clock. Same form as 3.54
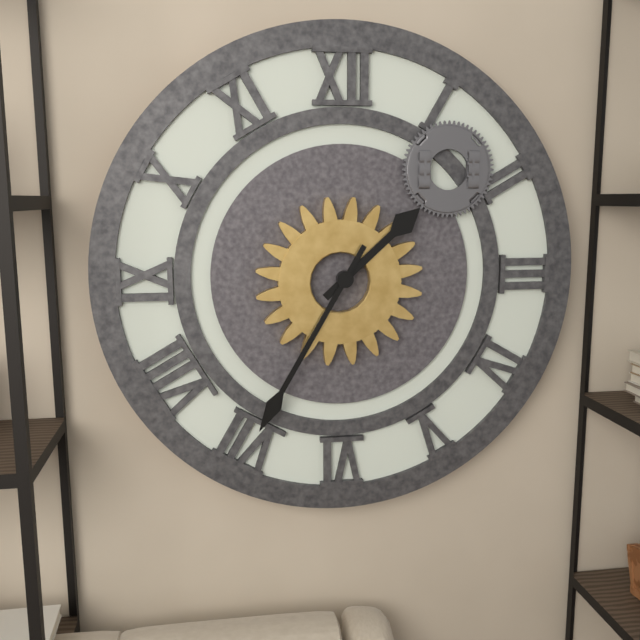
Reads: 1.35
